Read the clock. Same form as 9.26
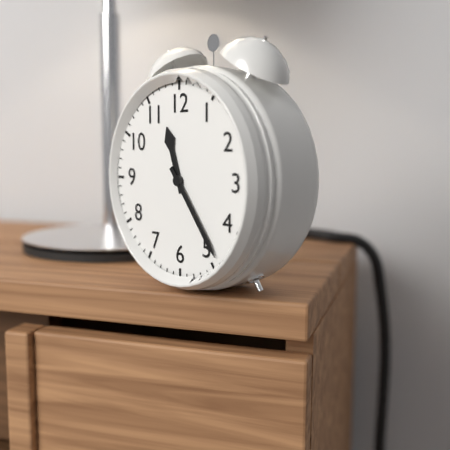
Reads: 11.24
